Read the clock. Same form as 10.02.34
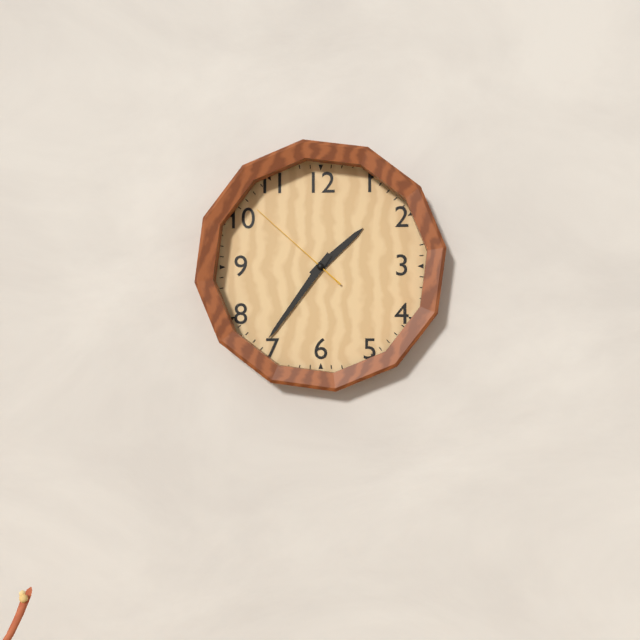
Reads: 1.36.52
